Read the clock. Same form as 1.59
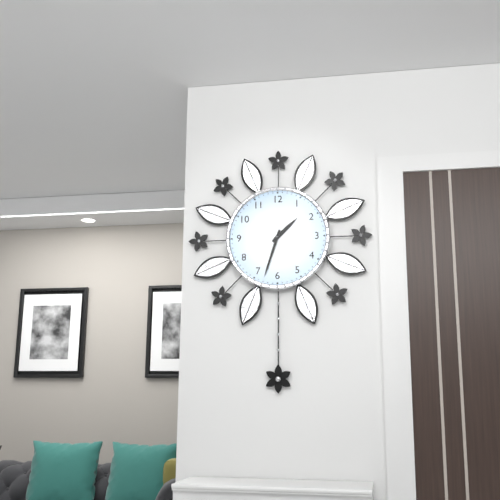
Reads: 1.33
